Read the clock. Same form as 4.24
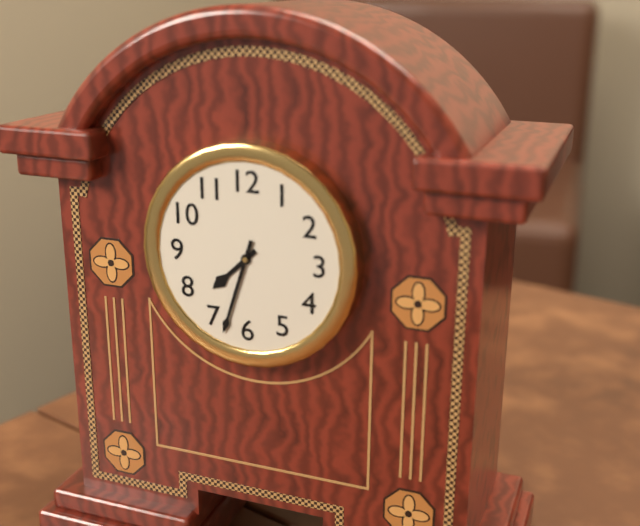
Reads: 7.33
